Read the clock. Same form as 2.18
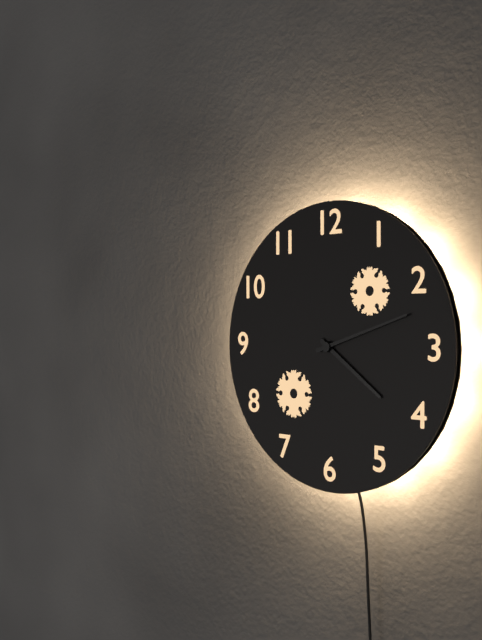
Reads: 4.12
